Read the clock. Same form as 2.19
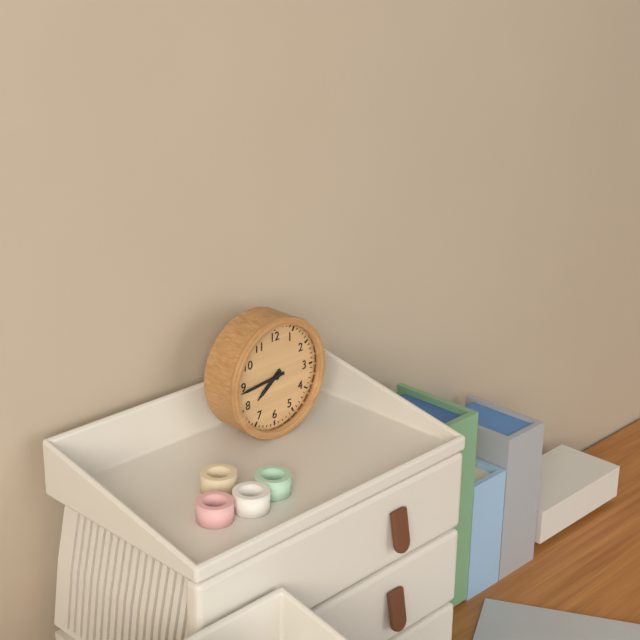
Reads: 7.44
